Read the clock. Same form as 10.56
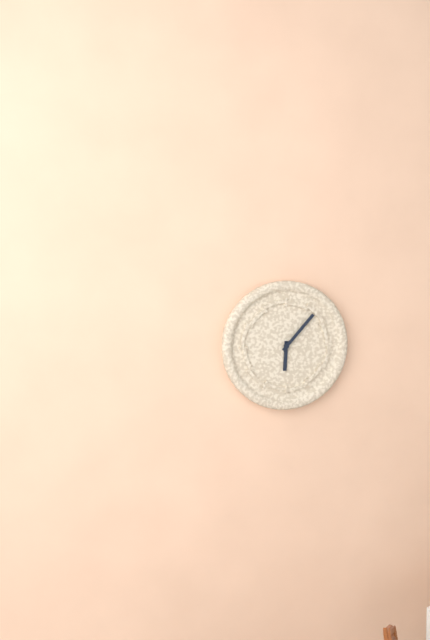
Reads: 6.07
